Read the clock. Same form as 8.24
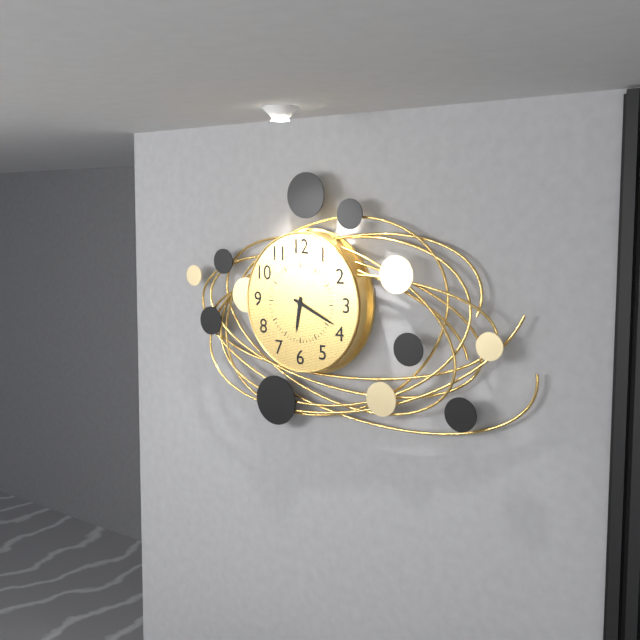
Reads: 6.19
